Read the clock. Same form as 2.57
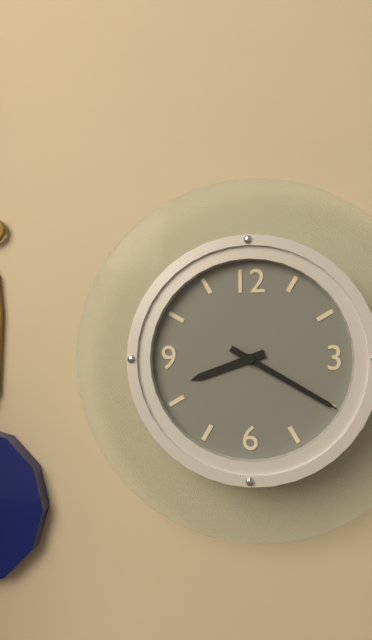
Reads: 8.20
